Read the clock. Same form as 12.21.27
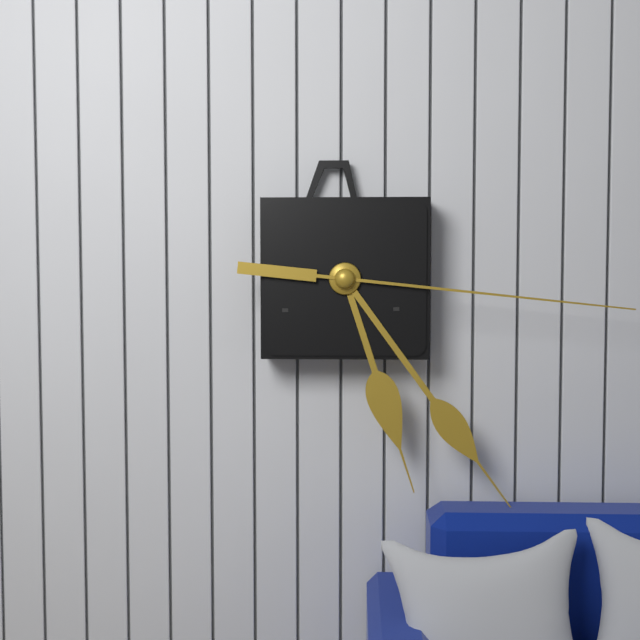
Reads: 5.24.16
